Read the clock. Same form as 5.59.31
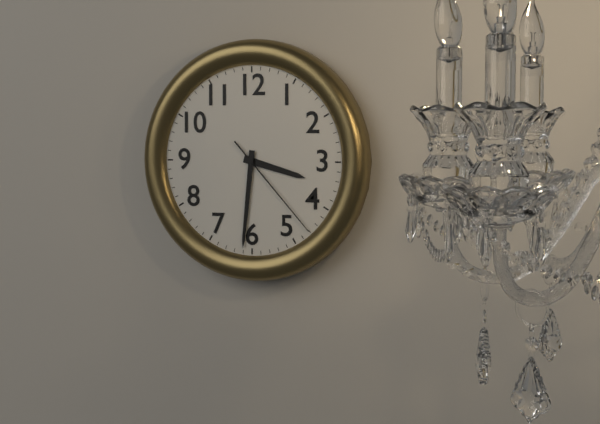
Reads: 3.31.23
